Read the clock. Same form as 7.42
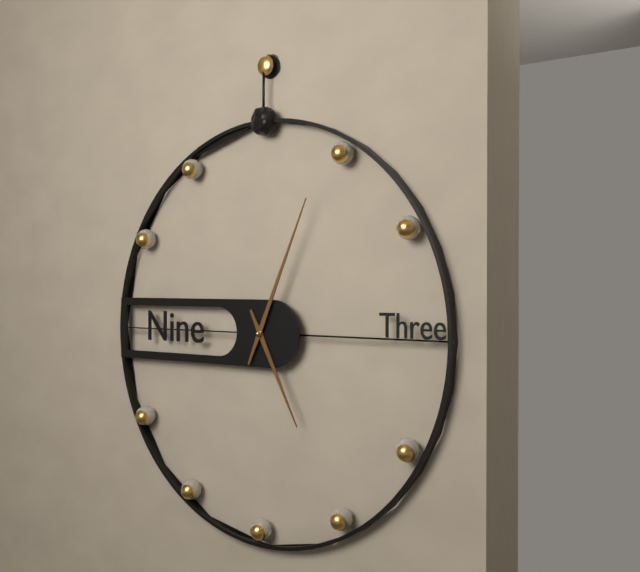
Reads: 5.04
